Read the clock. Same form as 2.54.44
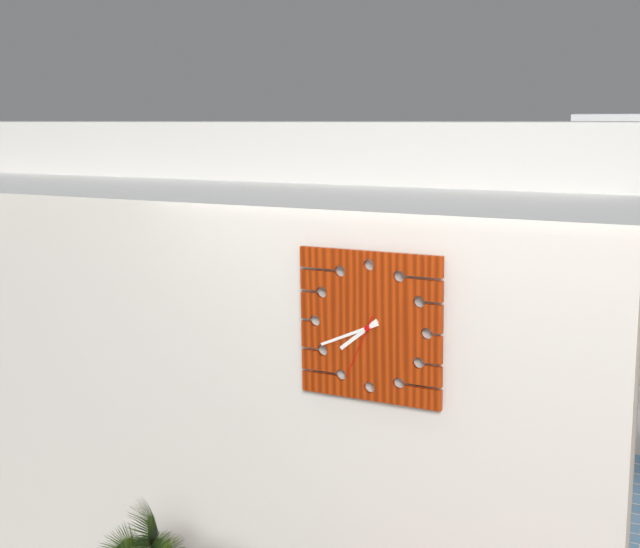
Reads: 7.41.34
